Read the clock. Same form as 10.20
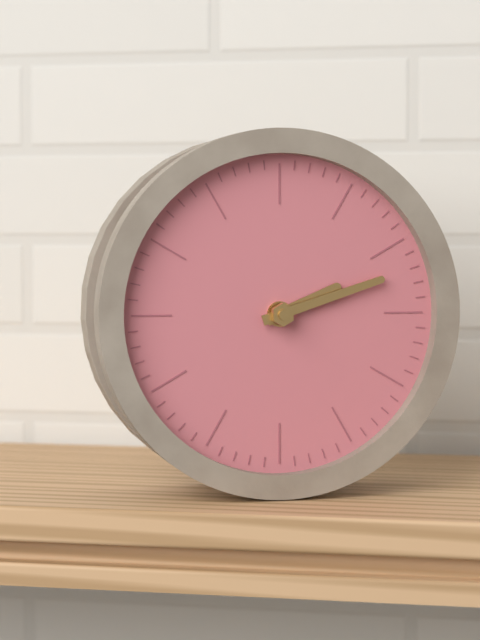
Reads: 2.12
